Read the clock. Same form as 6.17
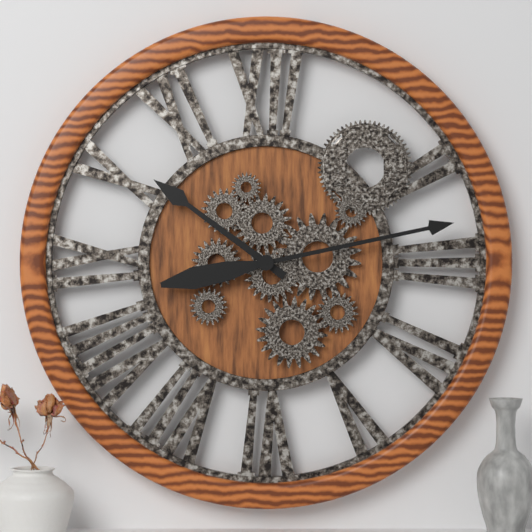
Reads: 10.13
